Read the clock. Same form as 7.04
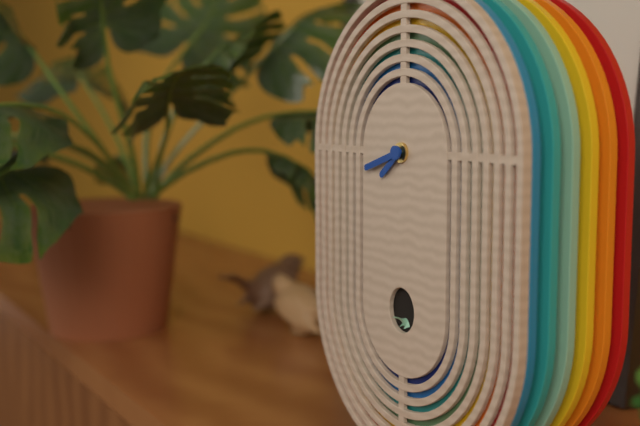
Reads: 7.42
